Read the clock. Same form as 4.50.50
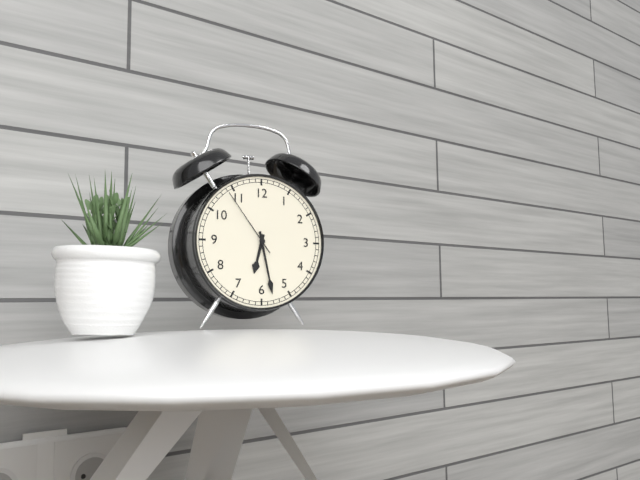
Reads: 6.28.54
